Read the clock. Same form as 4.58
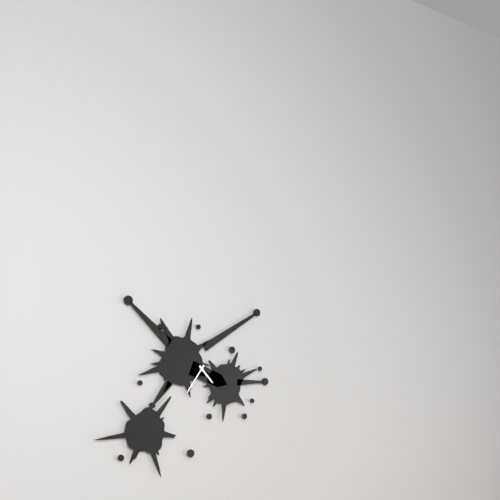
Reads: 4.36
